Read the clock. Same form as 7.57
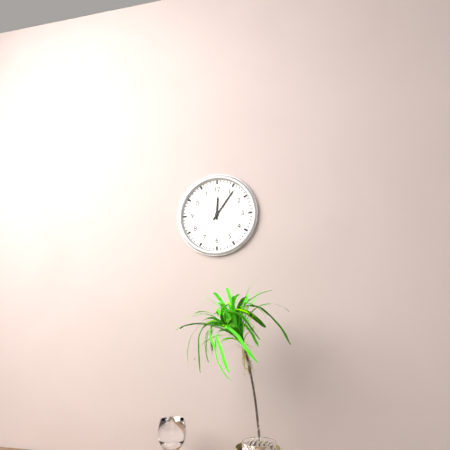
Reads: 12.06
